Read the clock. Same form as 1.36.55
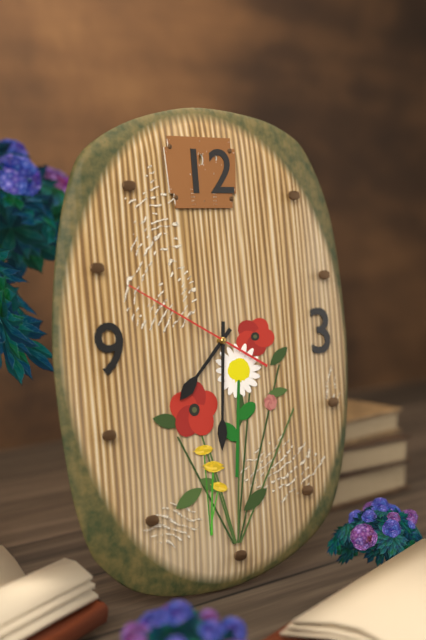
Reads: 7.31.50
